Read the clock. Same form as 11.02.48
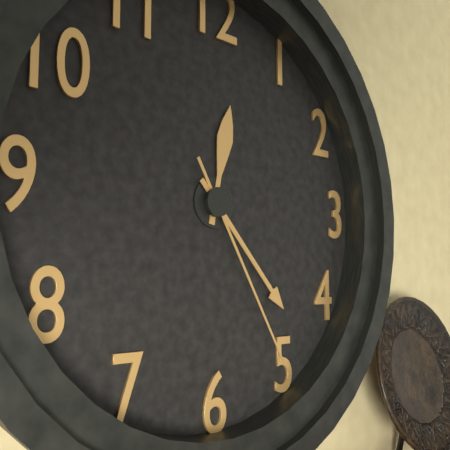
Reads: 12.23.25
